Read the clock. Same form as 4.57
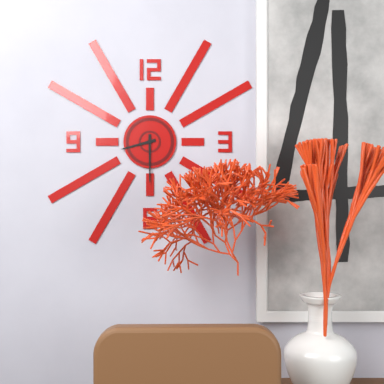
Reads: 8.30
